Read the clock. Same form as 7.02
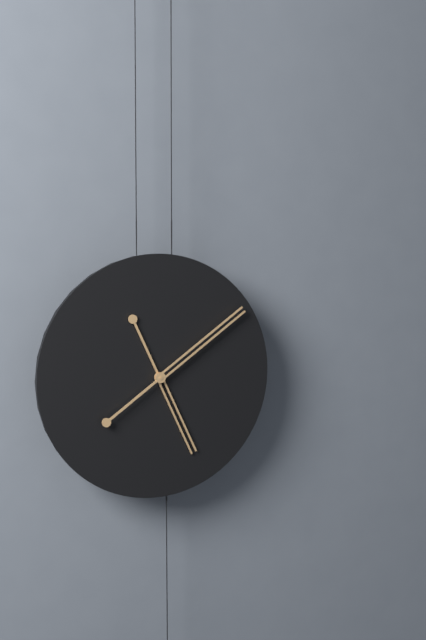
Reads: 5.09
